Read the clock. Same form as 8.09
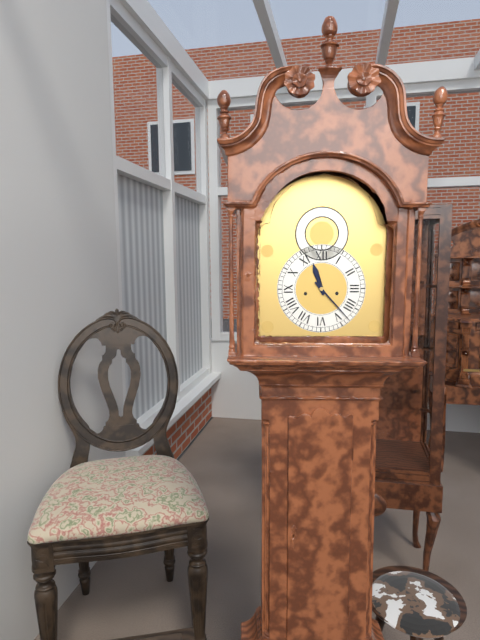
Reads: 11.23
